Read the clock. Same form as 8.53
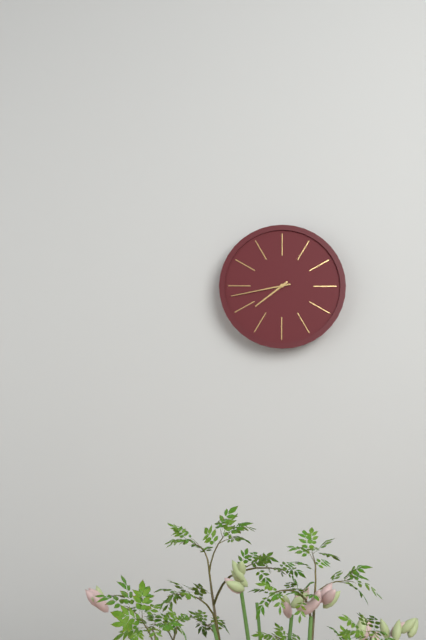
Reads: 7.43
